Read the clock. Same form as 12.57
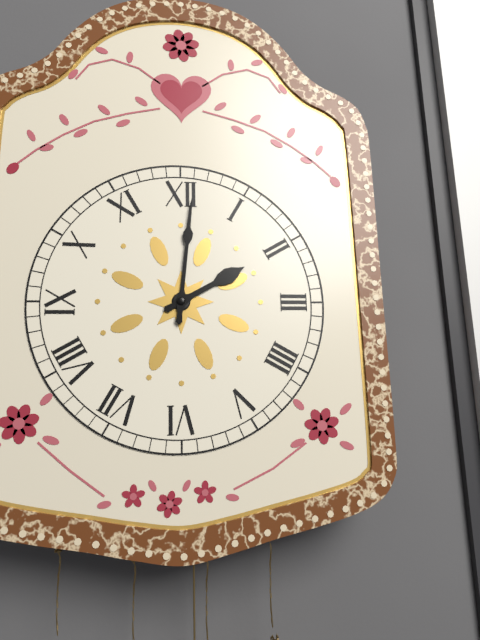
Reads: 2.01
